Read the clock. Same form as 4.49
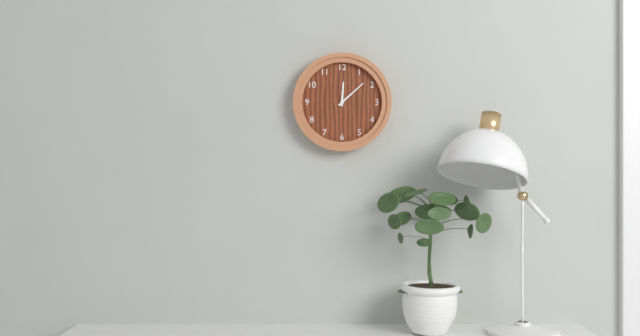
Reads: 12.08
